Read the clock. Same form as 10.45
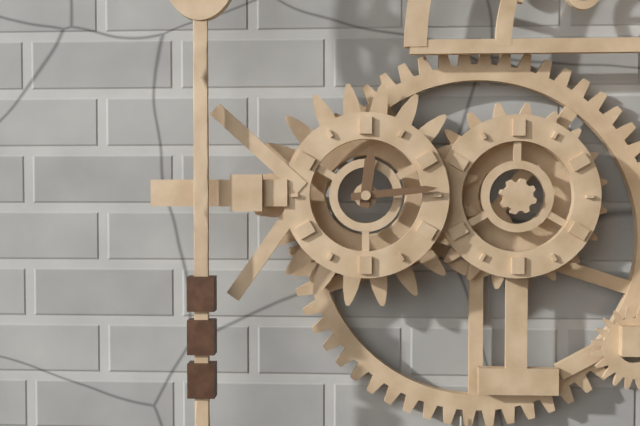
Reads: 12.14
